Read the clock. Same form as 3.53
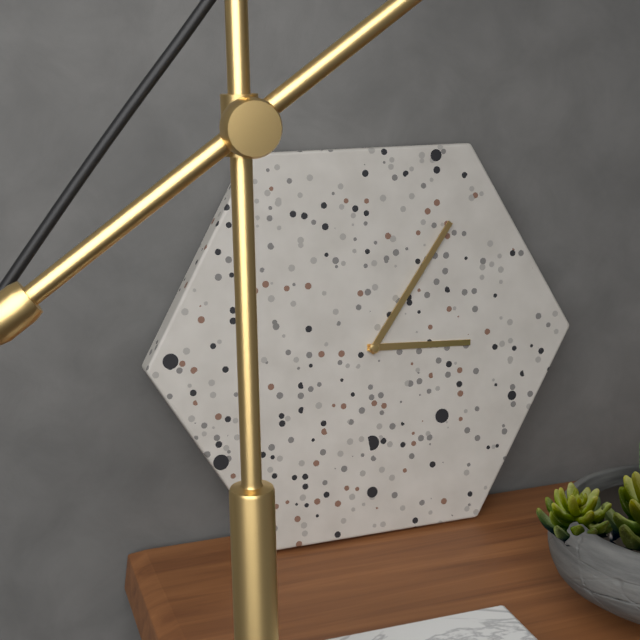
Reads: 3.06
